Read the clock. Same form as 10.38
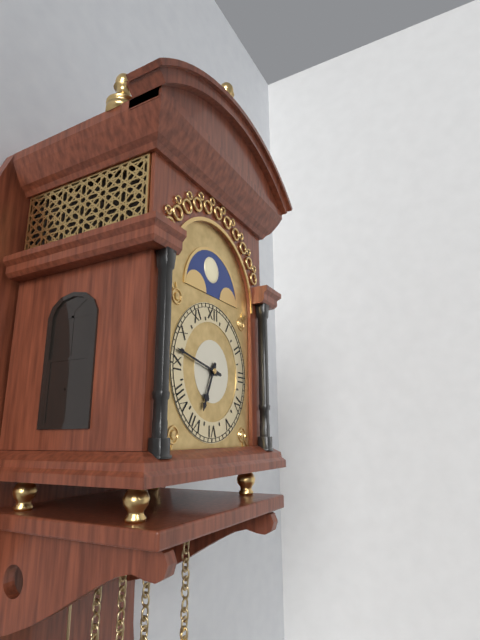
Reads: 6.47
